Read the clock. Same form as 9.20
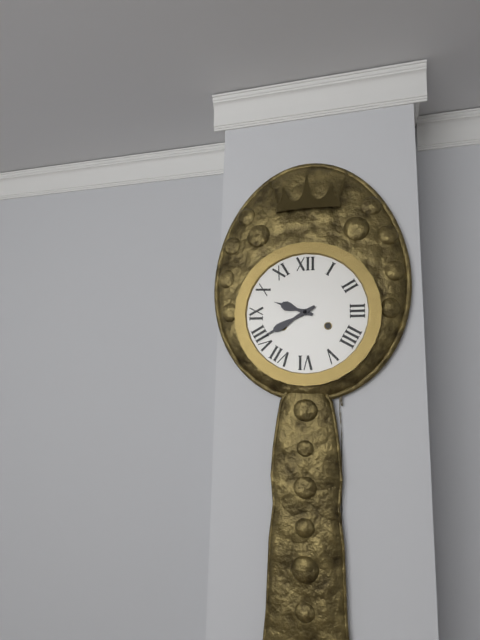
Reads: 9.40
